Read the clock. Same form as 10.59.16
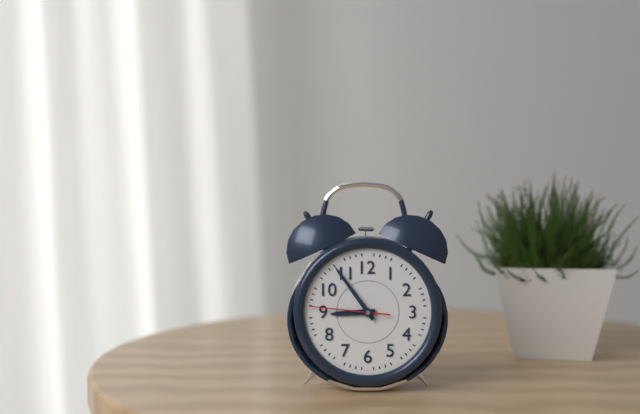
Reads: 8.54.46
